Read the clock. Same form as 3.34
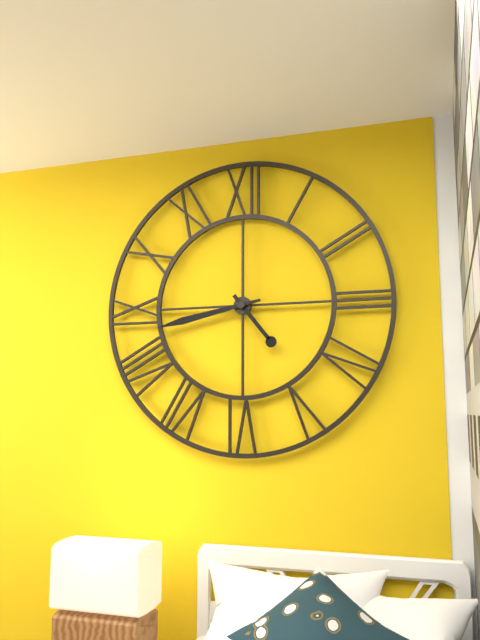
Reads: 4.43
